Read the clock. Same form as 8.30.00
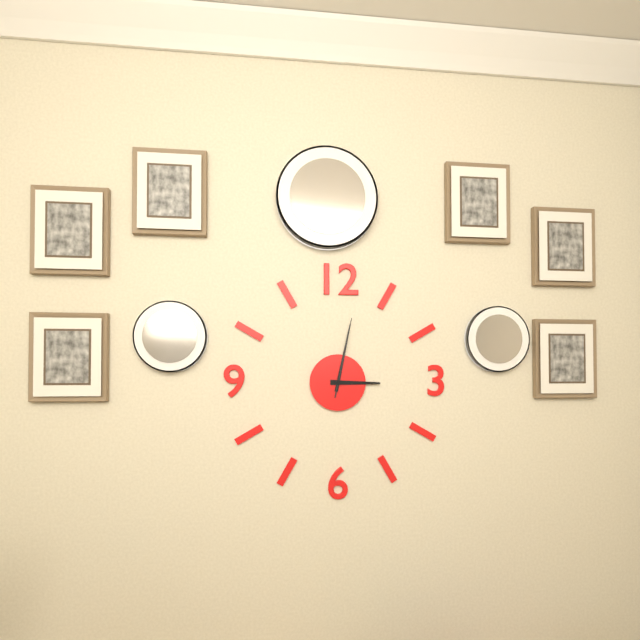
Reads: 3.02.02
